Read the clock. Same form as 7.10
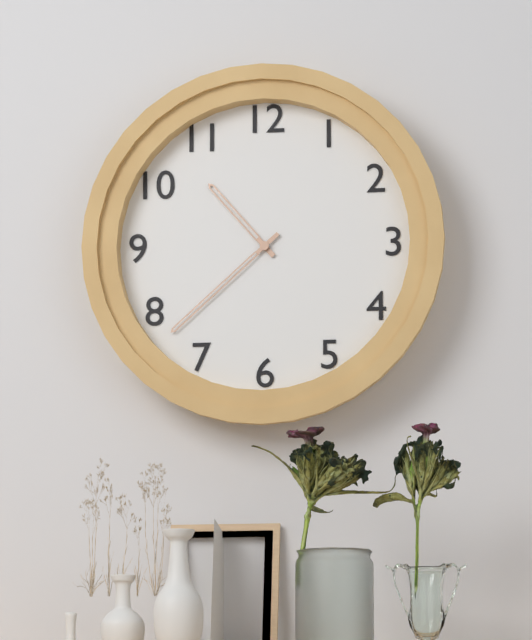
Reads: 10.38
